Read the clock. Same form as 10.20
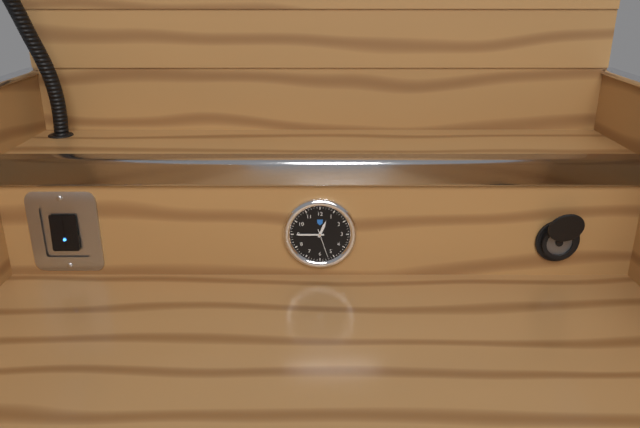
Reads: 12.45
